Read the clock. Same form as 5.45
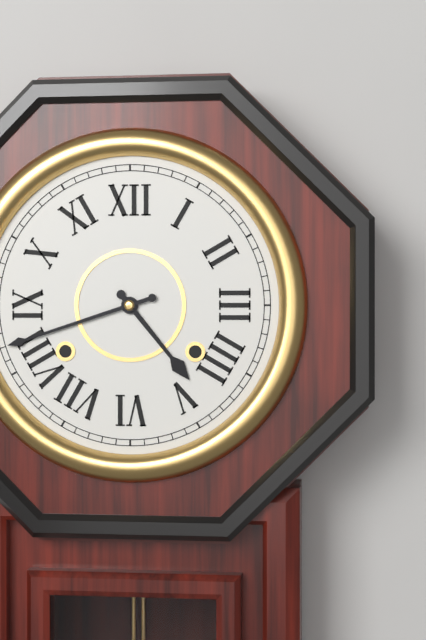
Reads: 4.42
